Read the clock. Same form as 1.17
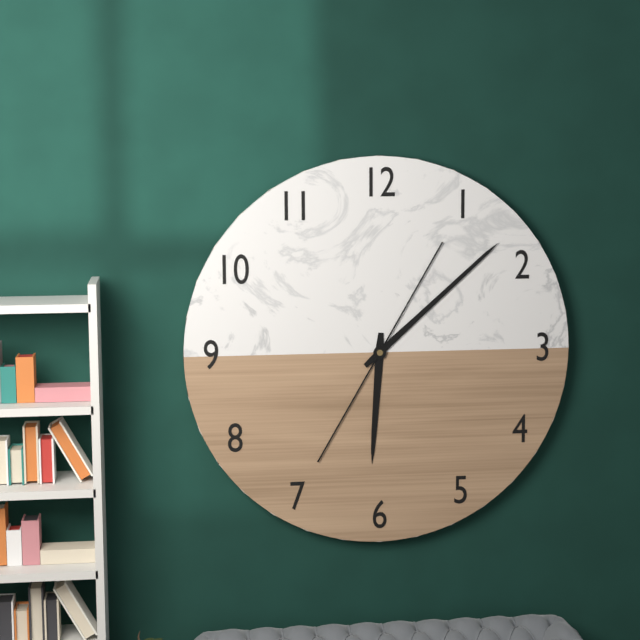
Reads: 6.08
